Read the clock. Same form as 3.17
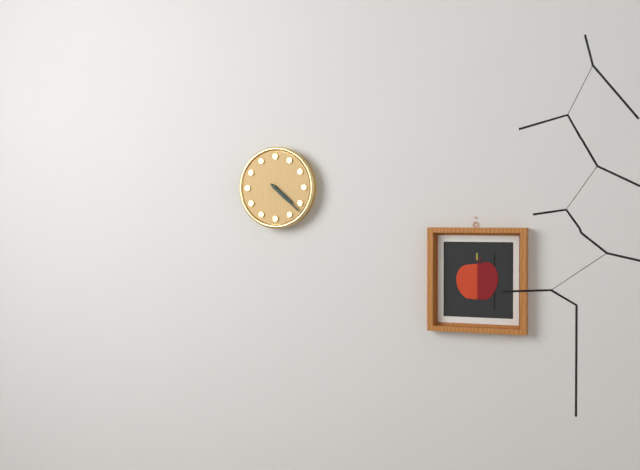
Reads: 4.22
